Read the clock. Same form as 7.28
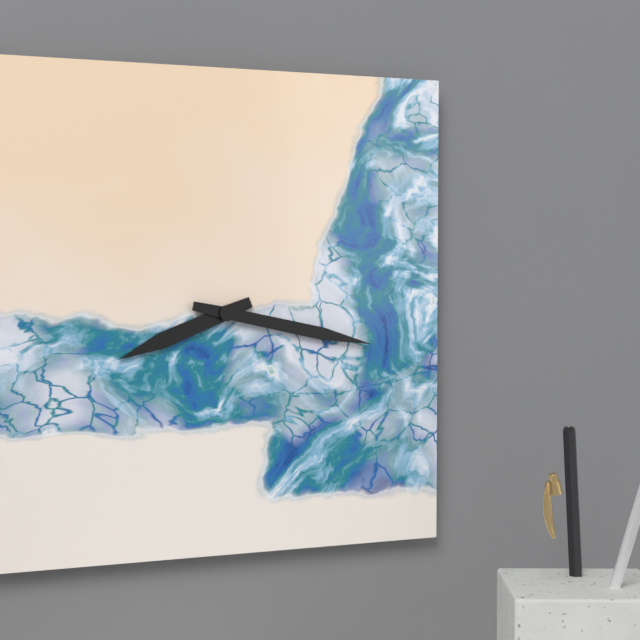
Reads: 8.17
